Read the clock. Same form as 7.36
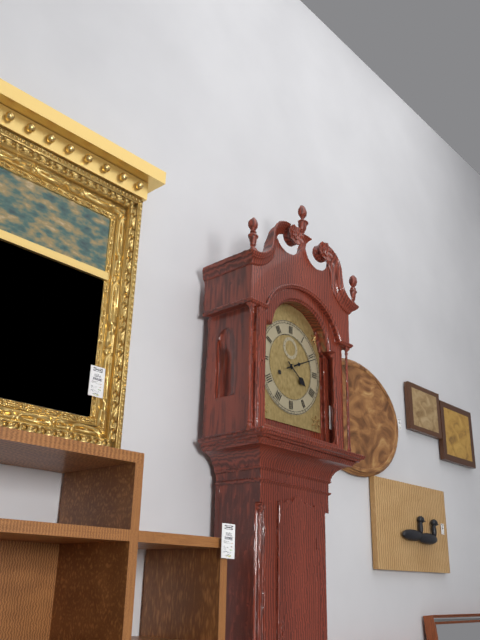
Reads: 4.11
